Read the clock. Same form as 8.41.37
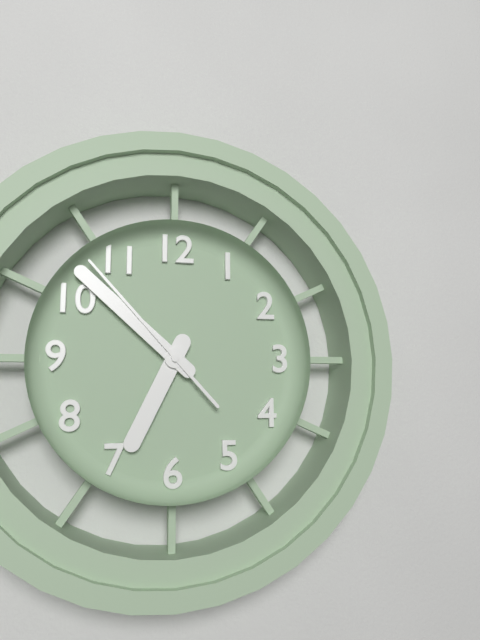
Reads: 6.52.53
